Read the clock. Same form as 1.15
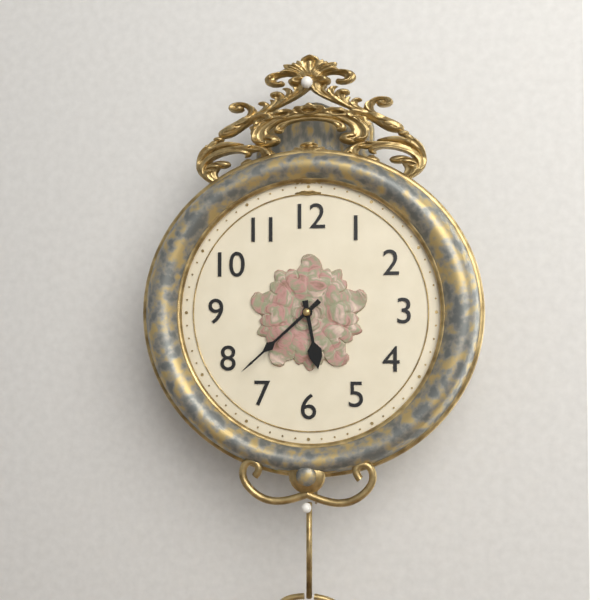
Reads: 5.38
